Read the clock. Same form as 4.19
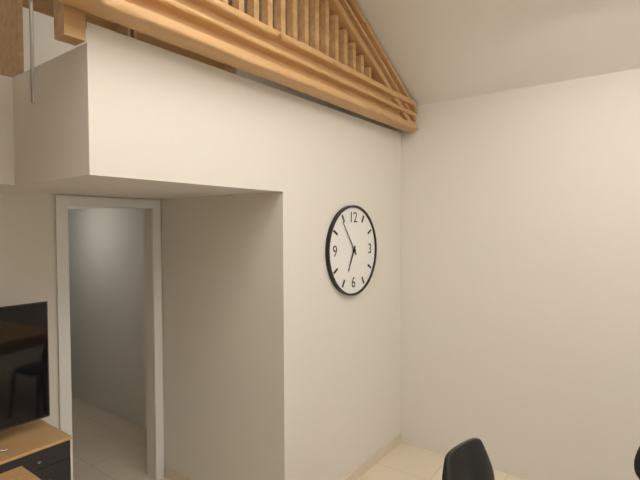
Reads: 6.54
